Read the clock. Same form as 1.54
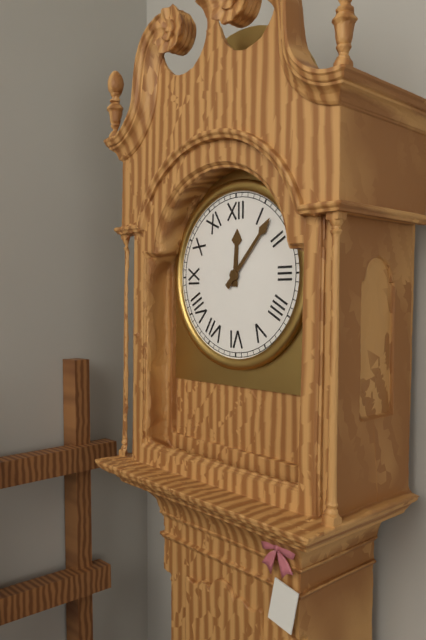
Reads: 12.07
